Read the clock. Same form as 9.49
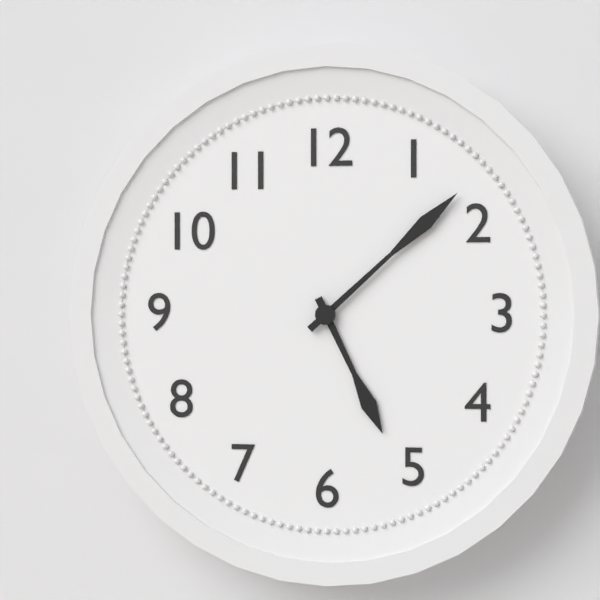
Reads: 5.08
